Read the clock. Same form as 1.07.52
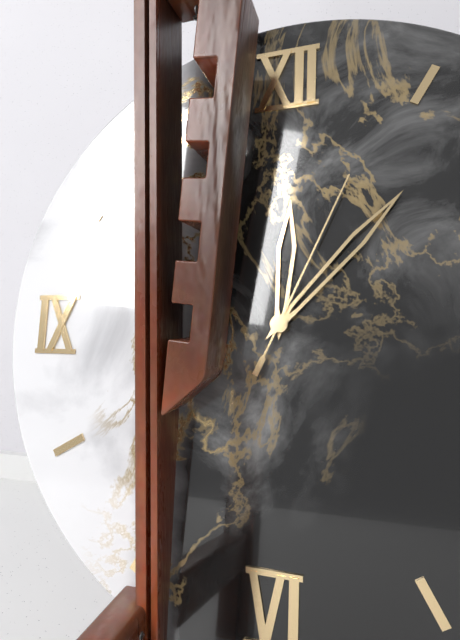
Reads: 12.07.04
